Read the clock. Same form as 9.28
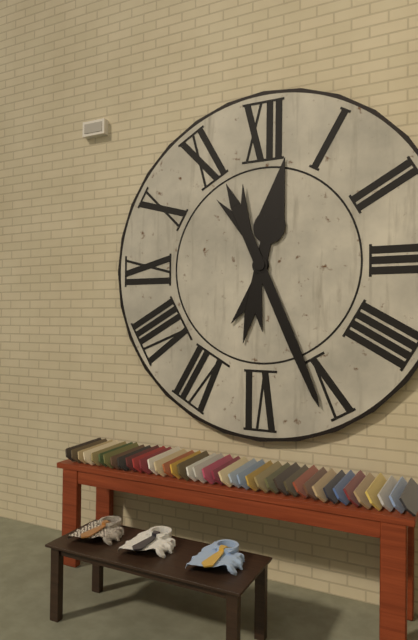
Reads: 12.26
